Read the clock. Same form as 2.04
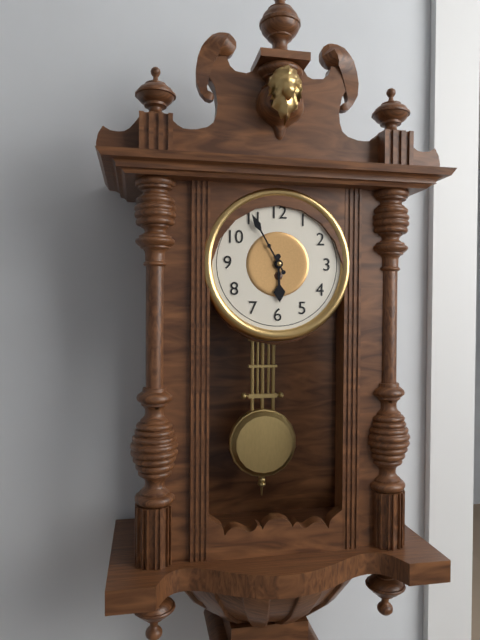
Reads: 5.55
